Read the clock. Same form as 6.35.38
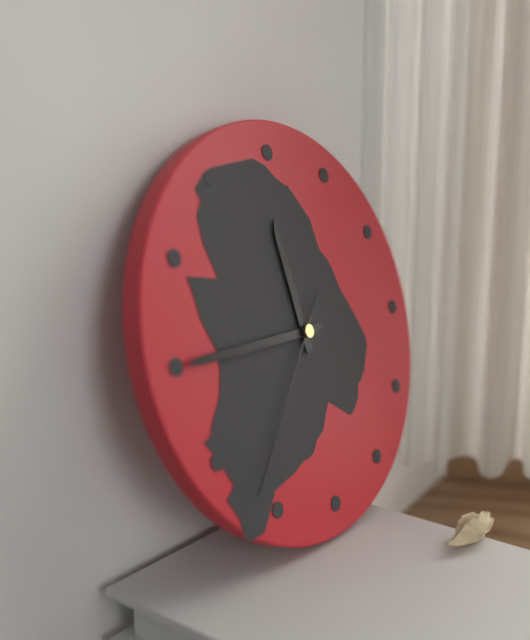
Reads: 11.45.37
